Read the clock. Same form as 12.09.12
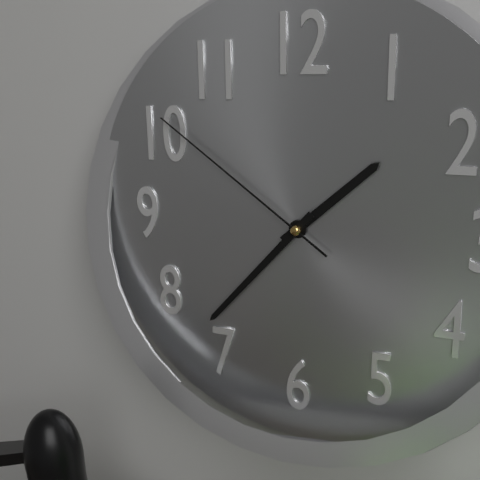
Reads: 1.37.51
